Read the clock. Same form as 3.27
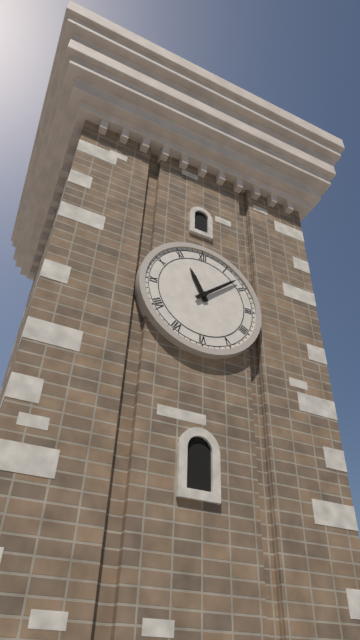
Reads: 11.08
